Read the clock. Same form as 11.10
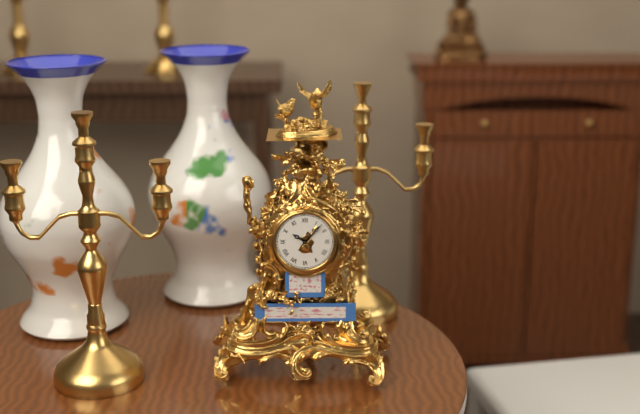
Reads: 10.07
